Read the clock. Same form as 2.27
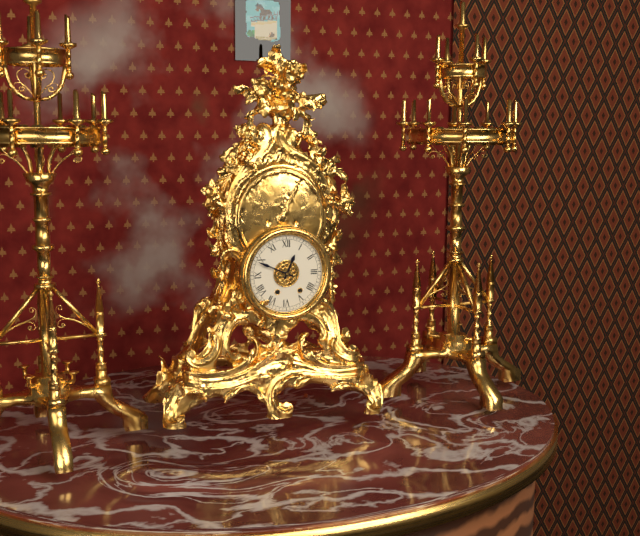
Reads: 12.49
